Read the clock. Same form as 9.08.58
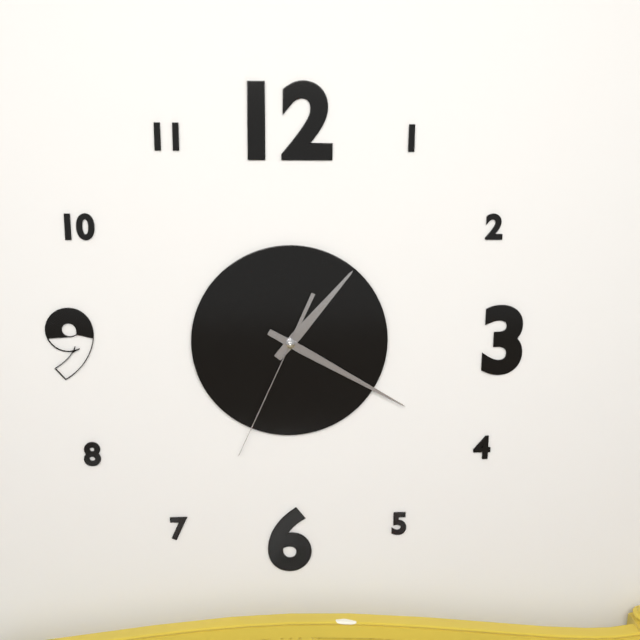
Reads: 1.20.34
